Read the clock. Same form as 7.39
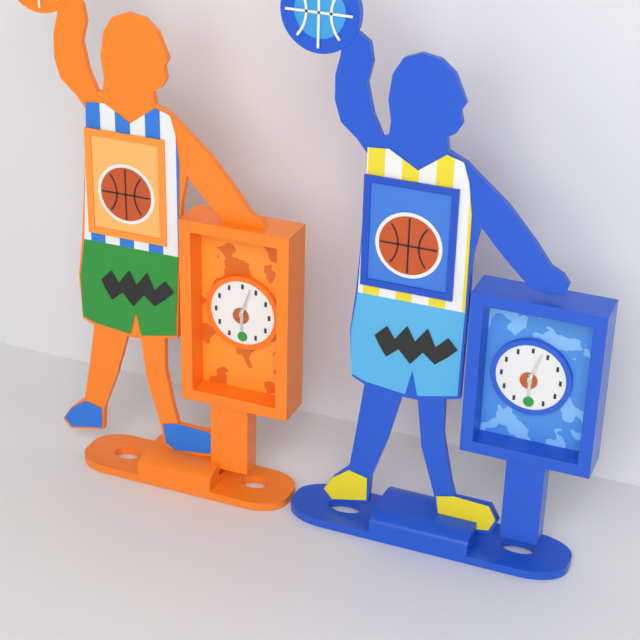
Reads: 6.03
